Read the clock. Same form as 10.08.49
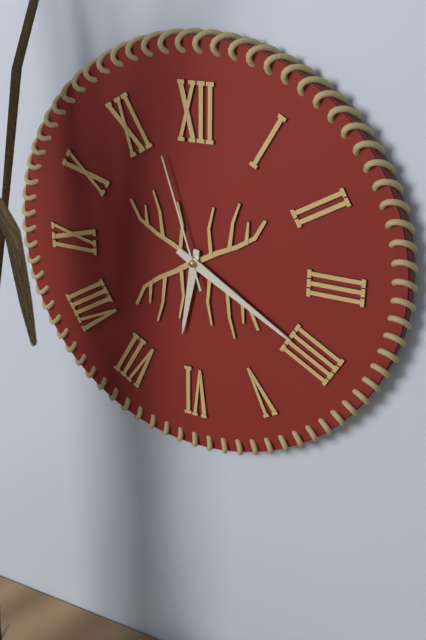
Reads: 6.20.57
